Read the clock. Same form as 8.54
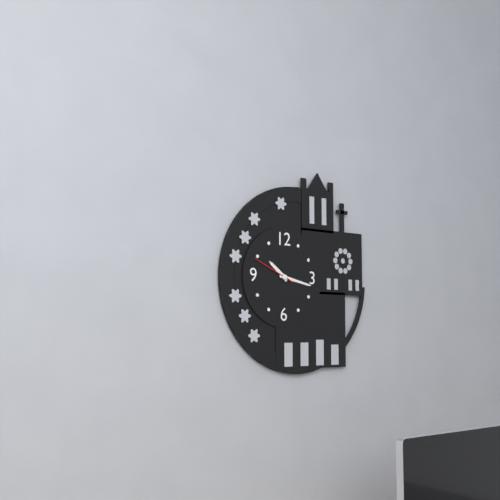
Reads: 10.17
